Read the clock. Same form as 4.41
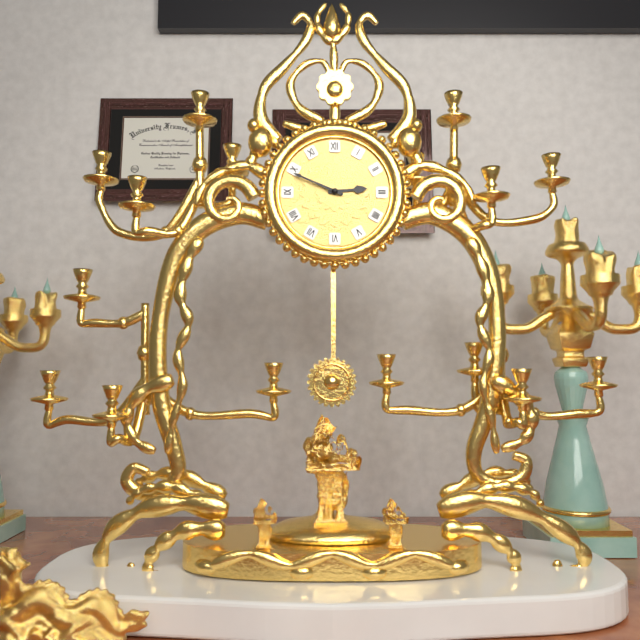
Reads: 2.49
